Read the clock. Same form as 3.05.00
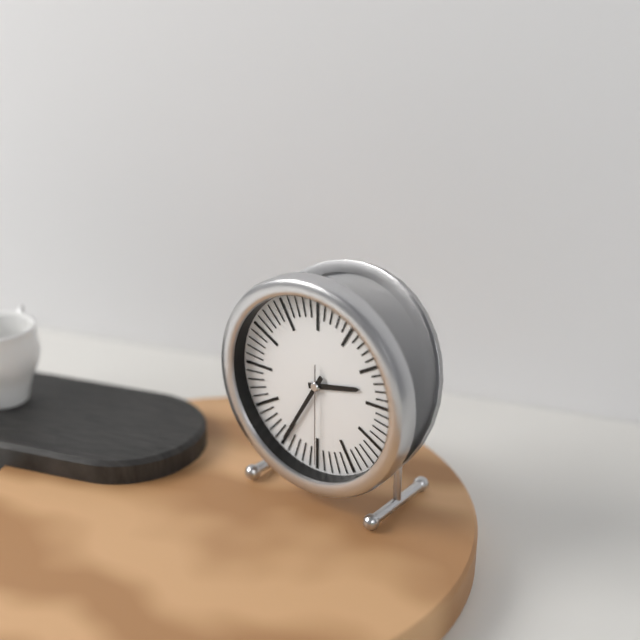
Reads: 2.35.30
